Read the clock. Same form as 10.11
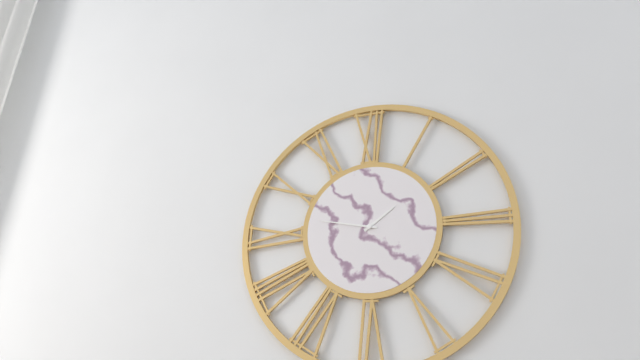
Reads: 1.47
